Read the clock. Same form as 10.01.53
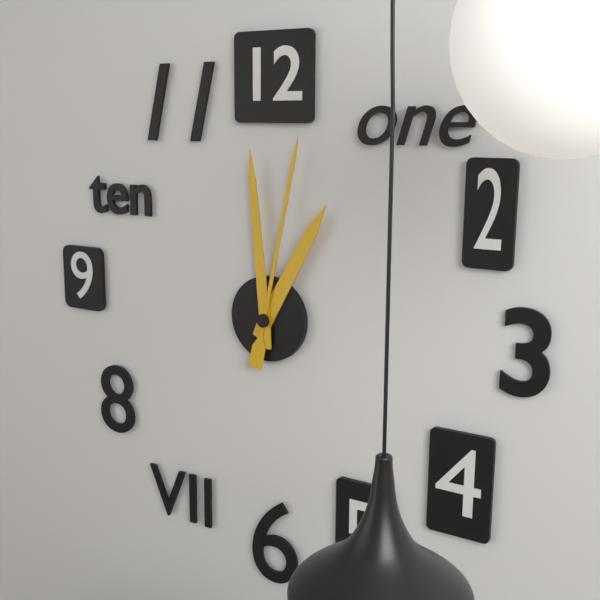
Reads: 12.59.02
